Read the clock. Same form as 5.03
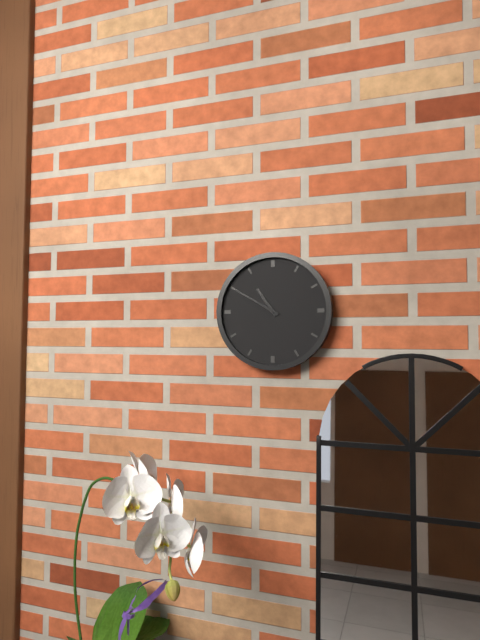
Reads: 10.50
